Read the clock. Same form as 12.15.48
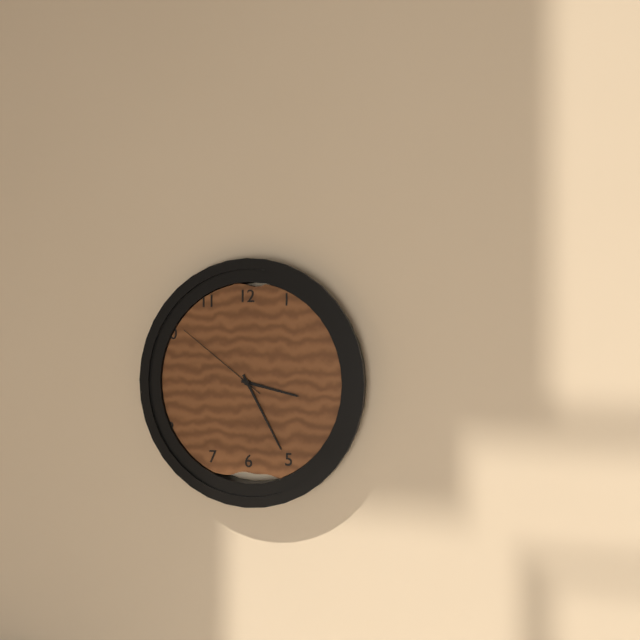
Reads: 3.25.51
